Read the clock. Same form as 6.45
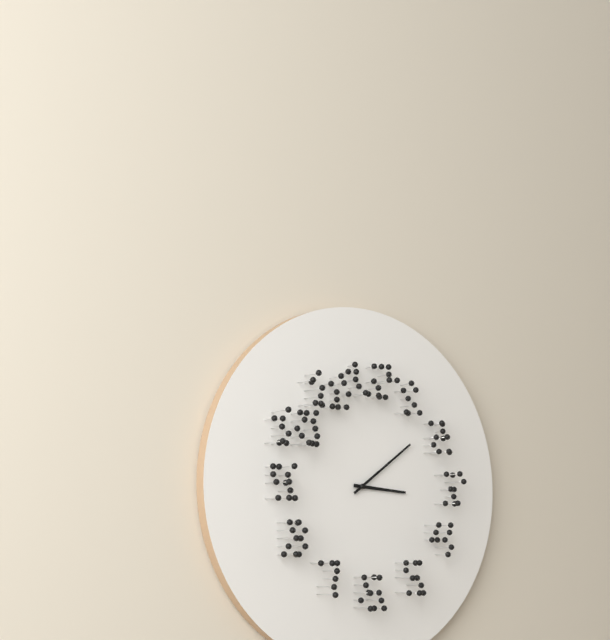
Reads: 3.09
